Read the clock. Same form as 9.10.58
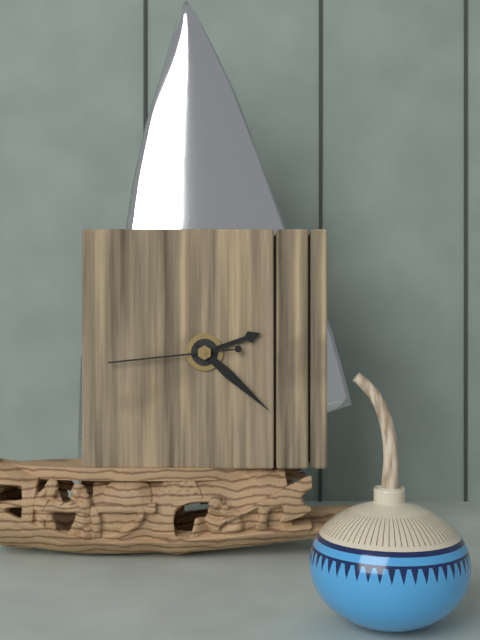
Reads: 2.22.44
